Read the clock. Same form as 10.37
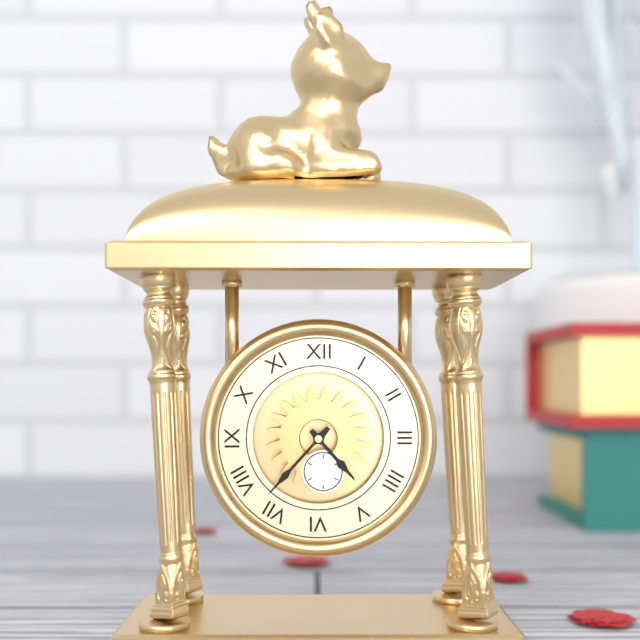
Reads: 4.37
